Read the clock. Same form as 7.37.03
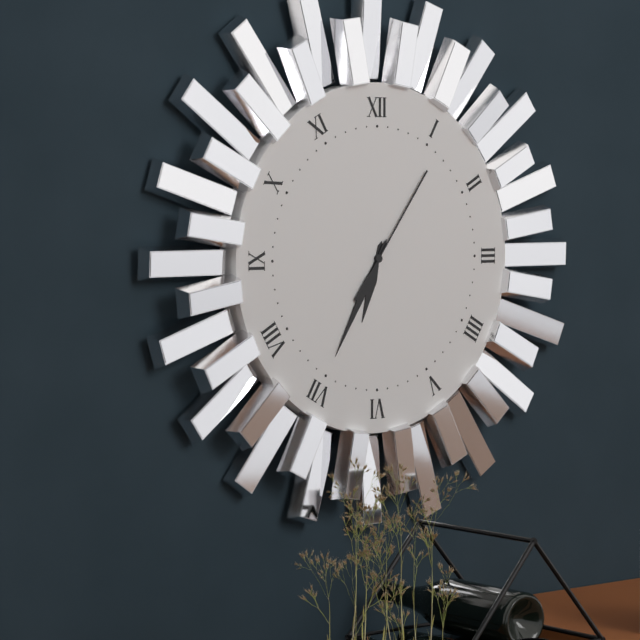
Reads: 6.35.06
